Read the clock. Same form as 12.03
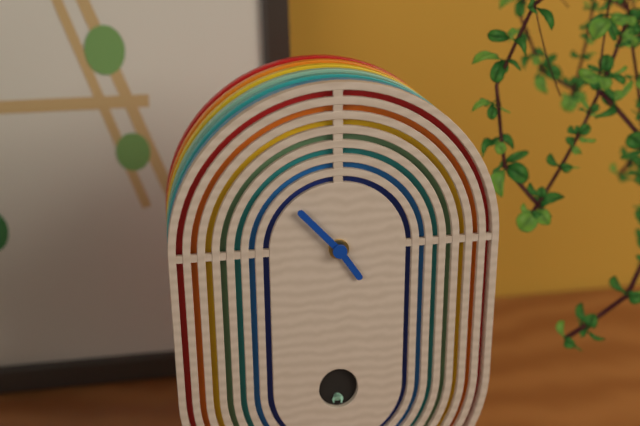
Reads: 4.53
